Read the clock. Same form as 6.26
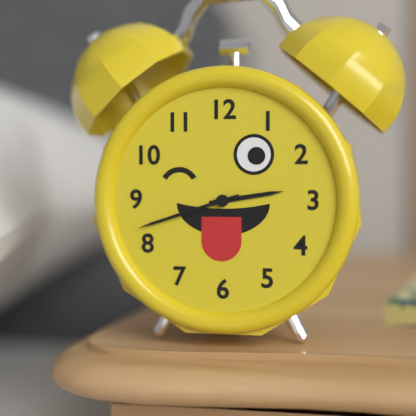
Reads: 2.42
